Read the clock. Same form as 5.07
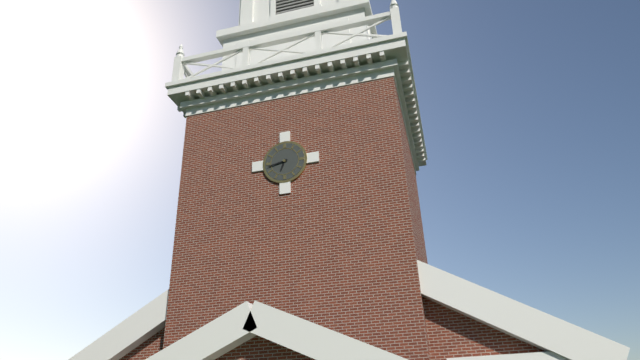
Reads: 6.43
